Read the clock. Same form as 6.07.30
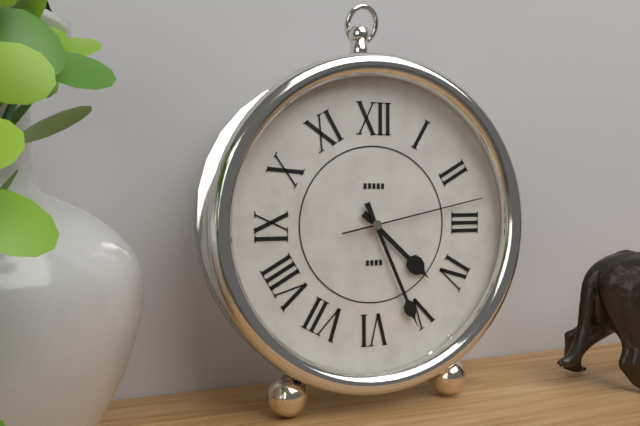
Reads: 4.26.13
